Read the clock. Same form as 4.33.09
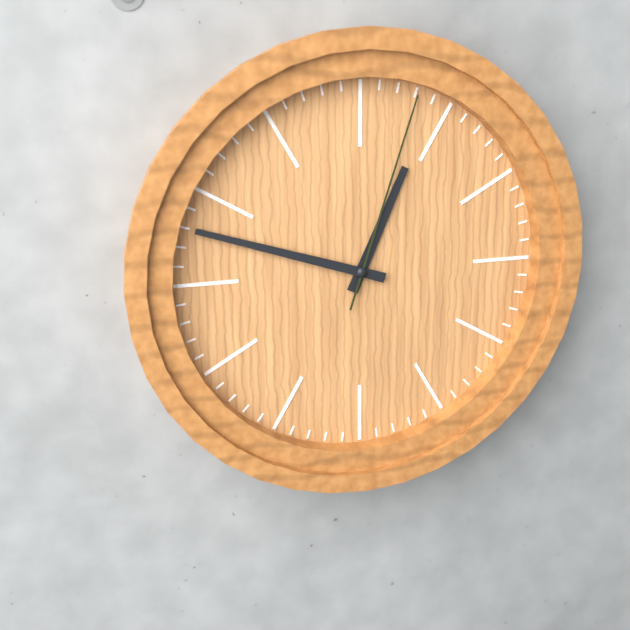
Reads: 12.48.03
